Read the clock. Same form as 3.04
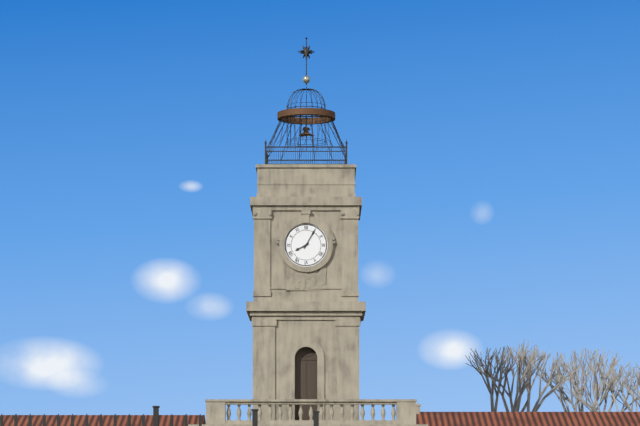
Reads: 8.05
